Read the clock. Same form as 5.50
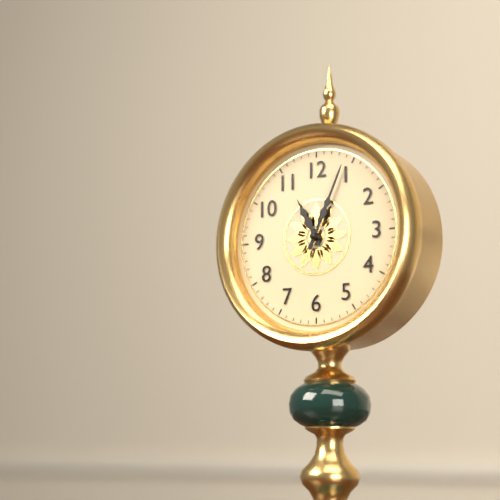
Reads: 11.04
